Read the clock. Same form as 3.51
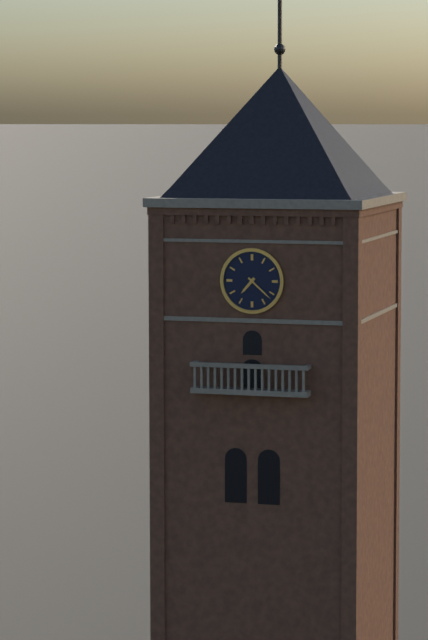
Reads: 7.22
